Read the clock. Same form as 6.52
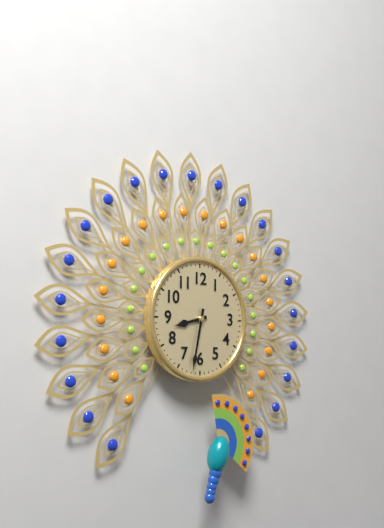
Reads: 8.32
